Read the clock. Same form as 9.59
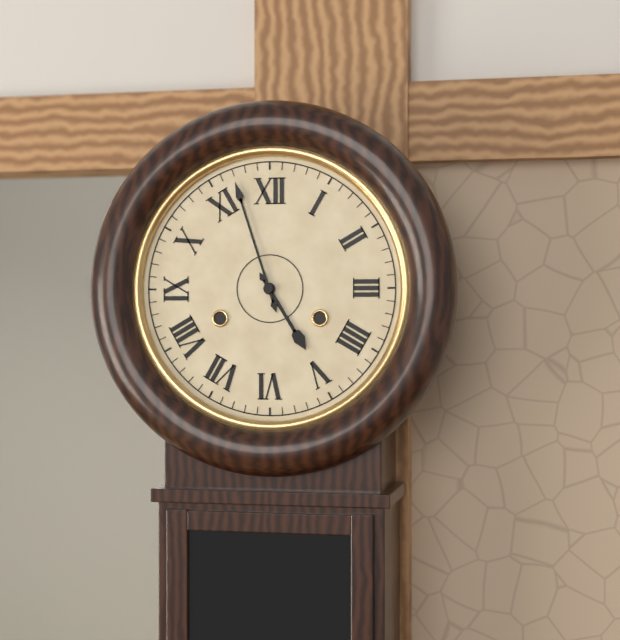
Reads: 4.57
